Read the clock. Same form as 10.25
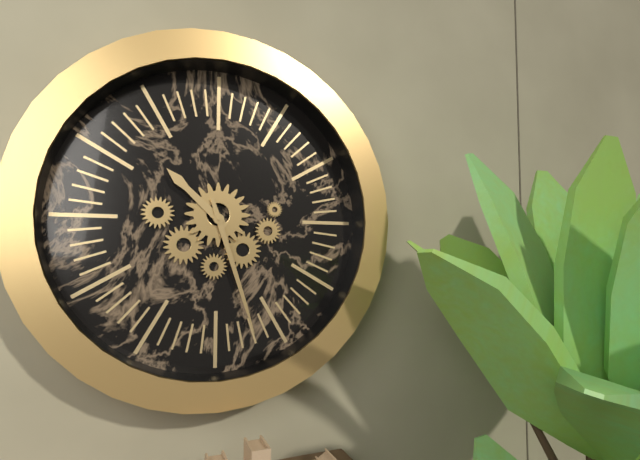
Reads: 10.27
